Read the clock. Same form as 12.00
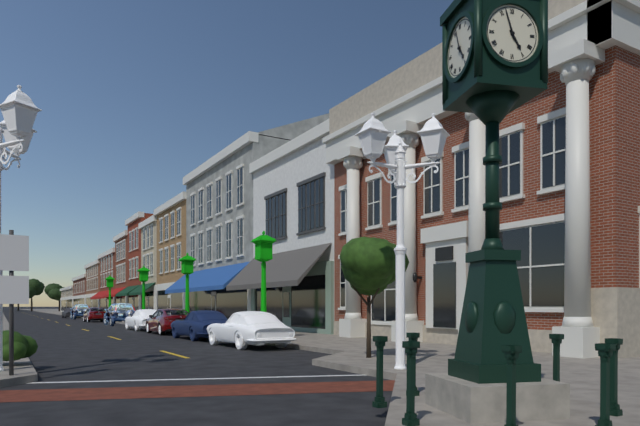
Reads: 4.57
